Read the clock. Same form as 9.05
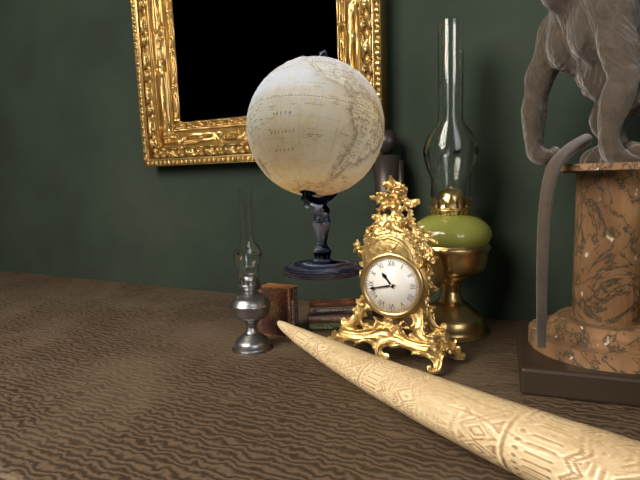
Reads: 10.43
